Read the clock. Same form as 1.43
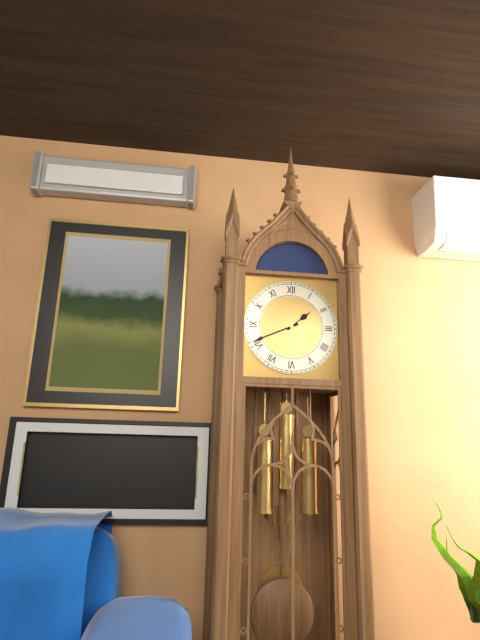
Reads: 1.41
